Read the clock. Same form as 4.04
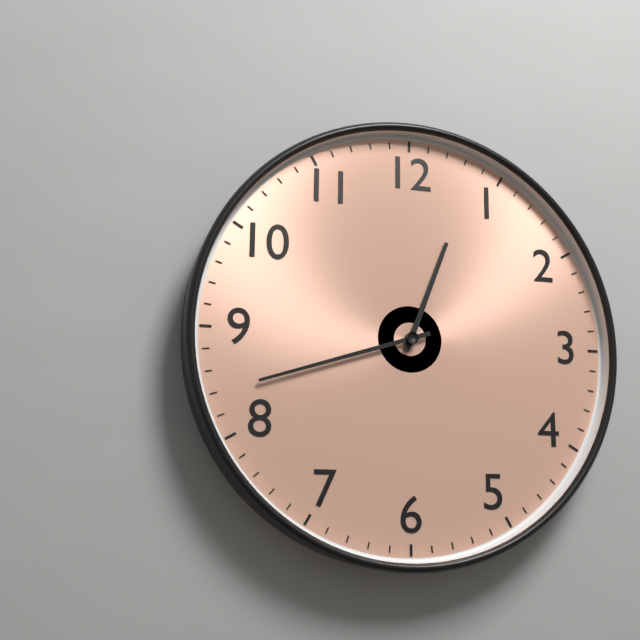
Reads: 12.42
